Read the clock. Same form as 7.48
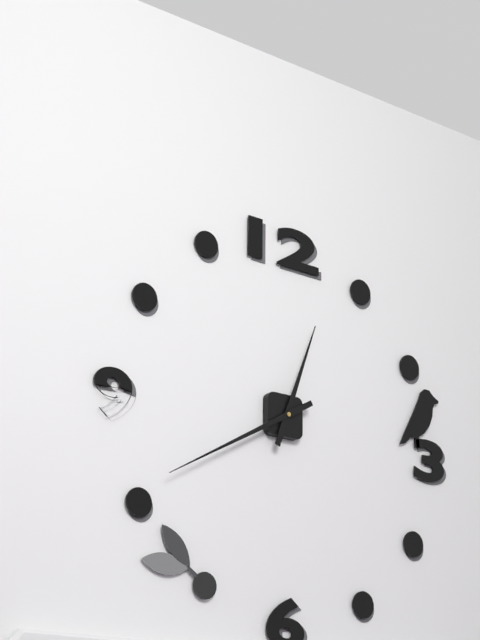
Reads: 12.40
